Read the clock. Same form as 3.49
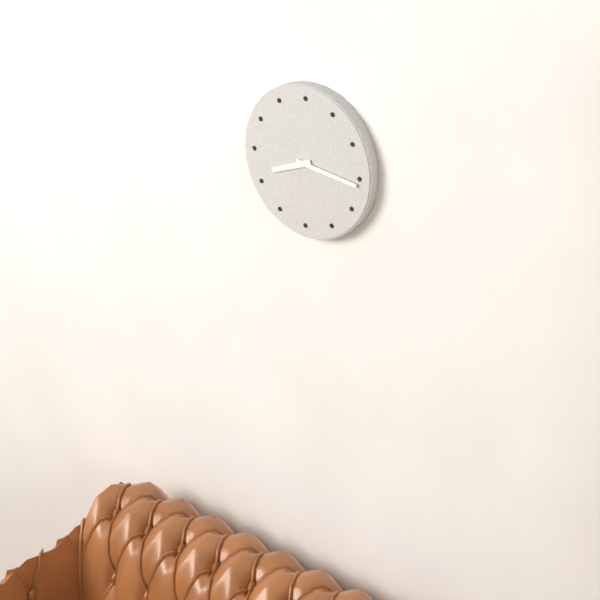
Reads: 8.16
